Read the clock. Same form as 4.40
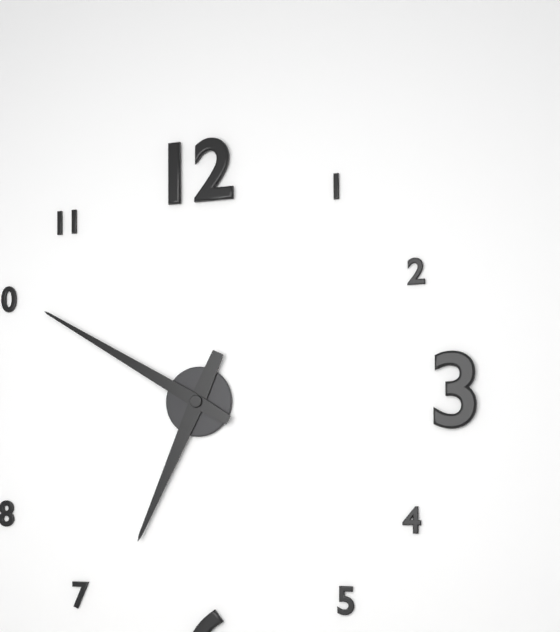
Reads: 6.50
